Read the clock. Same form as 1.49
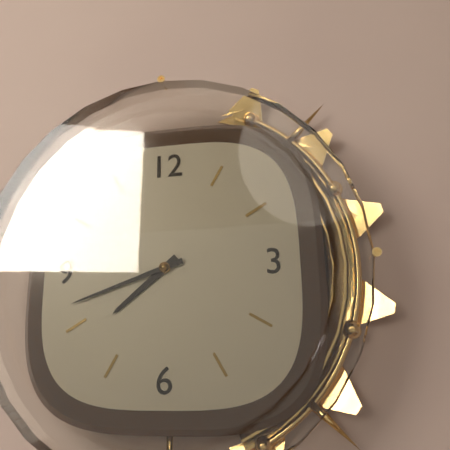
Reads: 7.42
